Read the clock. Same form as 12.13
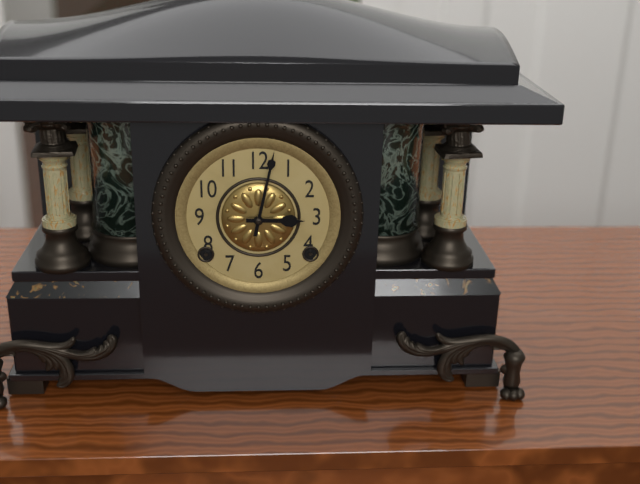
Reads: 3.02
